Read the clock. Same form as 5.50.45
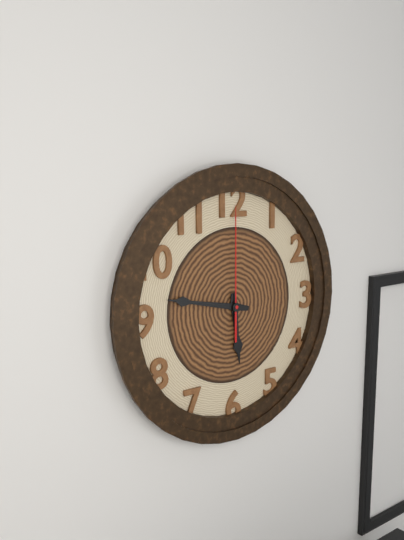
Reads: 5.47.00
